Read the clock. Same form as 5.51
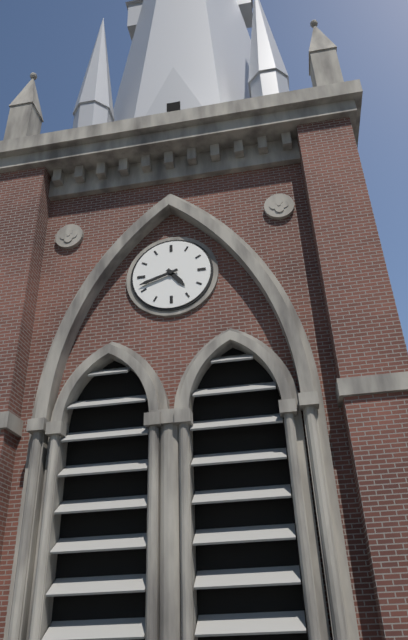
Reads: 4.42
